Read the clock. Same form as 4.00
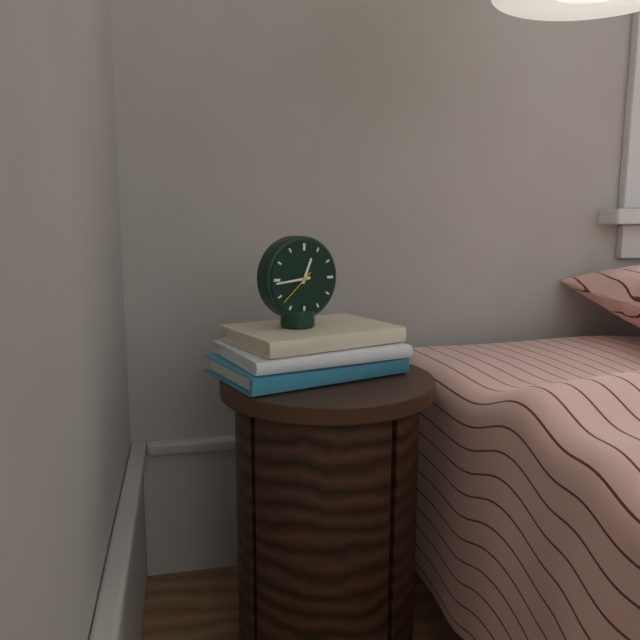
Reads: 12.44
